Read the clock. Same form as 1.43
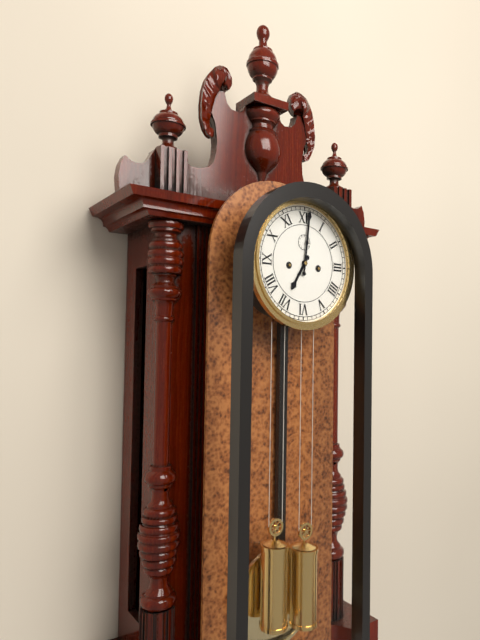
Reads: 7.01
